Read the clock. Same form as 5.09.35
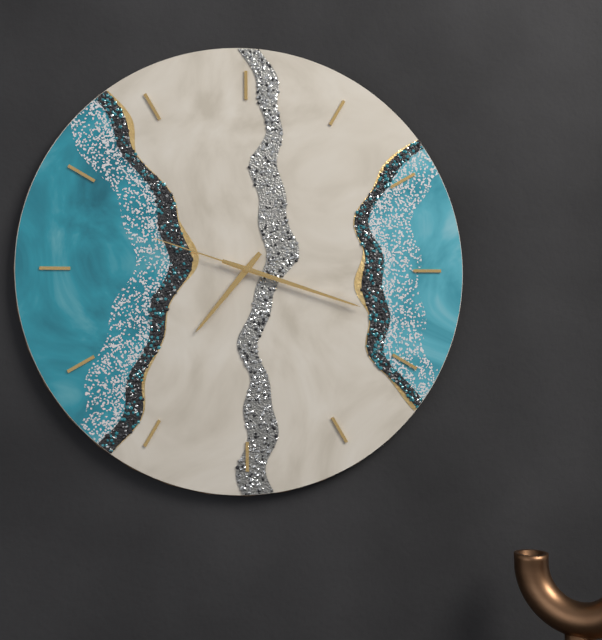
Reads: 7.18.48
